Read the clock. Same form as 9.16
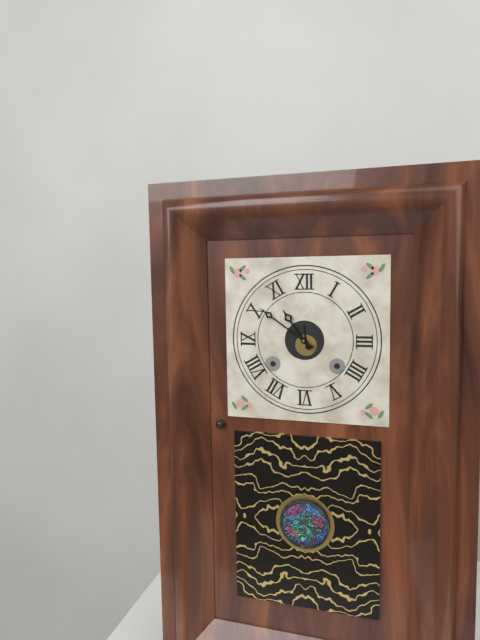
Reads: 10.51
